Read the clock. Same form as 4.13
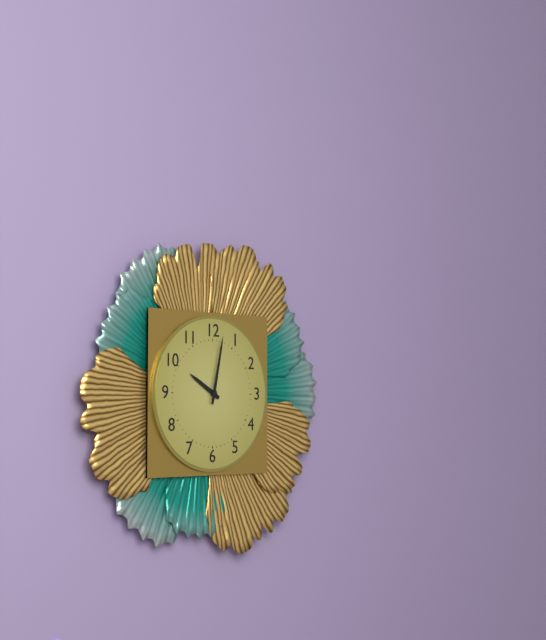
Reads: 10.02
